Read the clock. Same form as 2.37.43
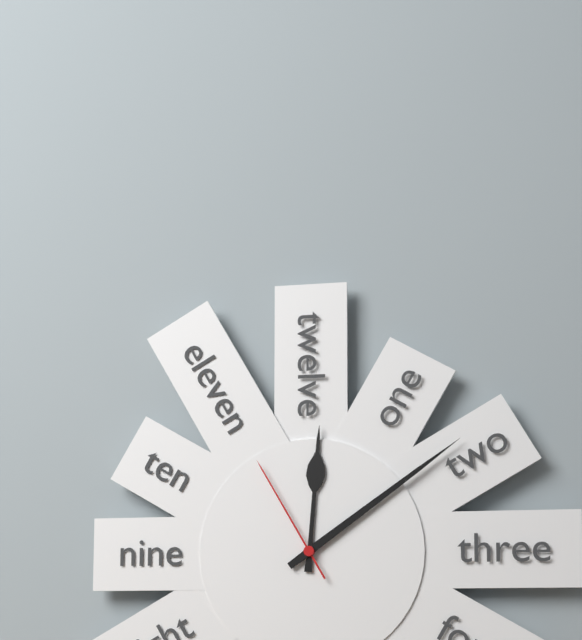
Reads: 12.09.55
